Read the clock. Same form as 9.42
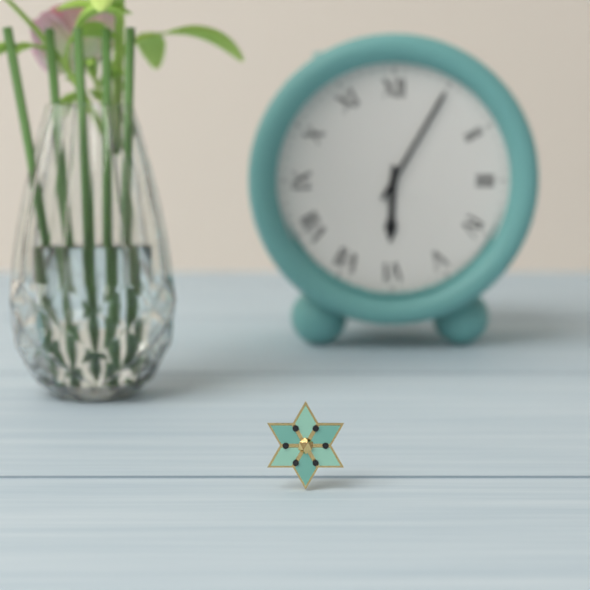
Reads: 6.05
